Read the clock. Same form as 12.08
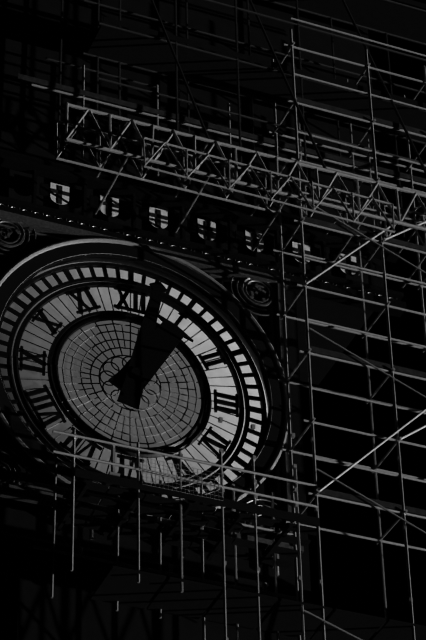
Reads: 1.02
